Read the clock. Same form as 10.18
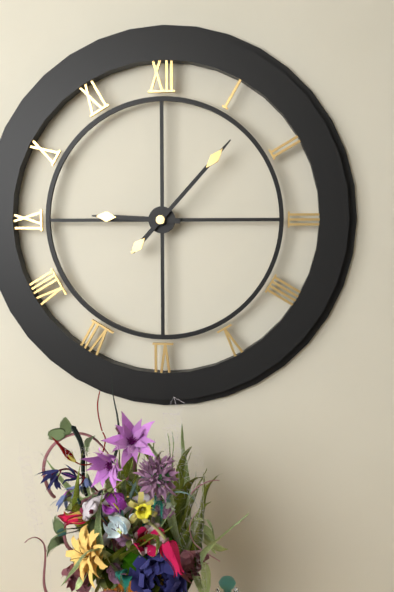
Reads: 9.07
